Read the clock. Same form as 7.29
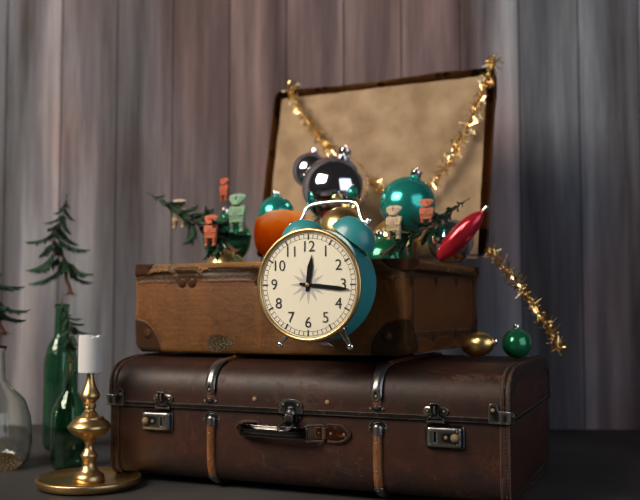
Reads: 12.16
